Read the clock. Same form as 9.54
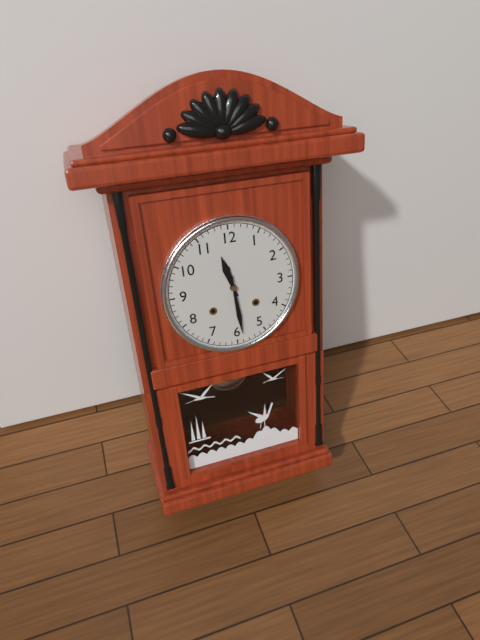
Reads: 11.29
